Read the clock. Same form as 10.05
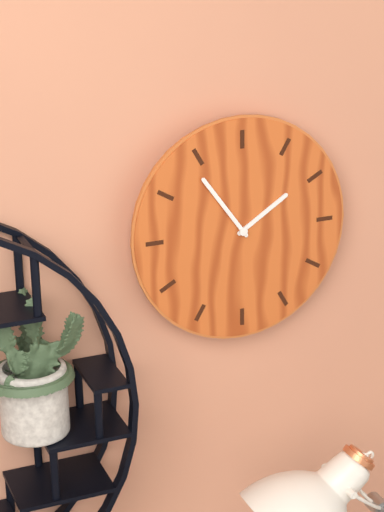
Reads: 1.54
